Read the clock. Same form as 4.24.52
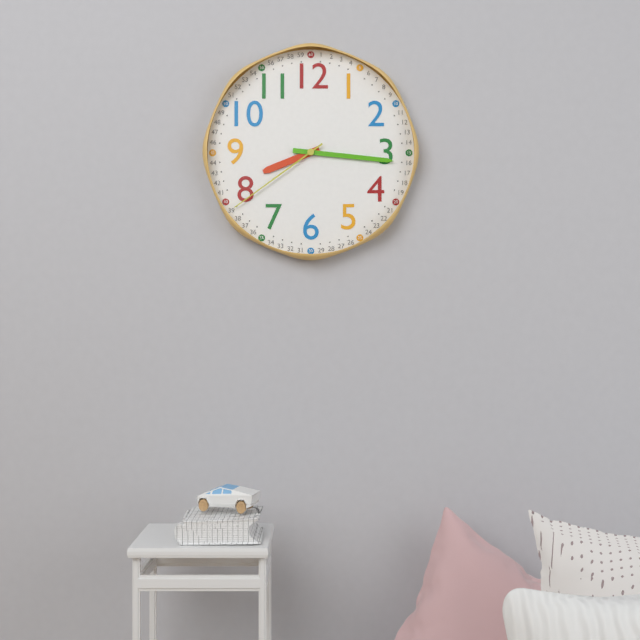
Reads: 8.16.39
